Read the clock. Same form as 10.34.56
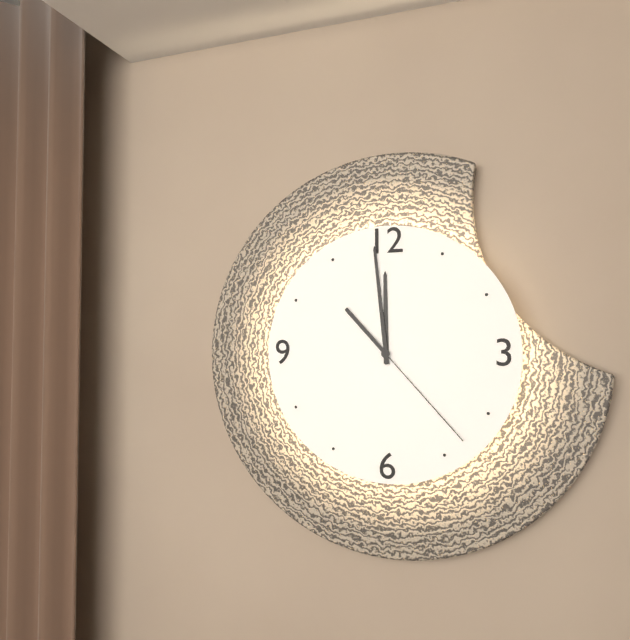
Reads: 11.59.23
